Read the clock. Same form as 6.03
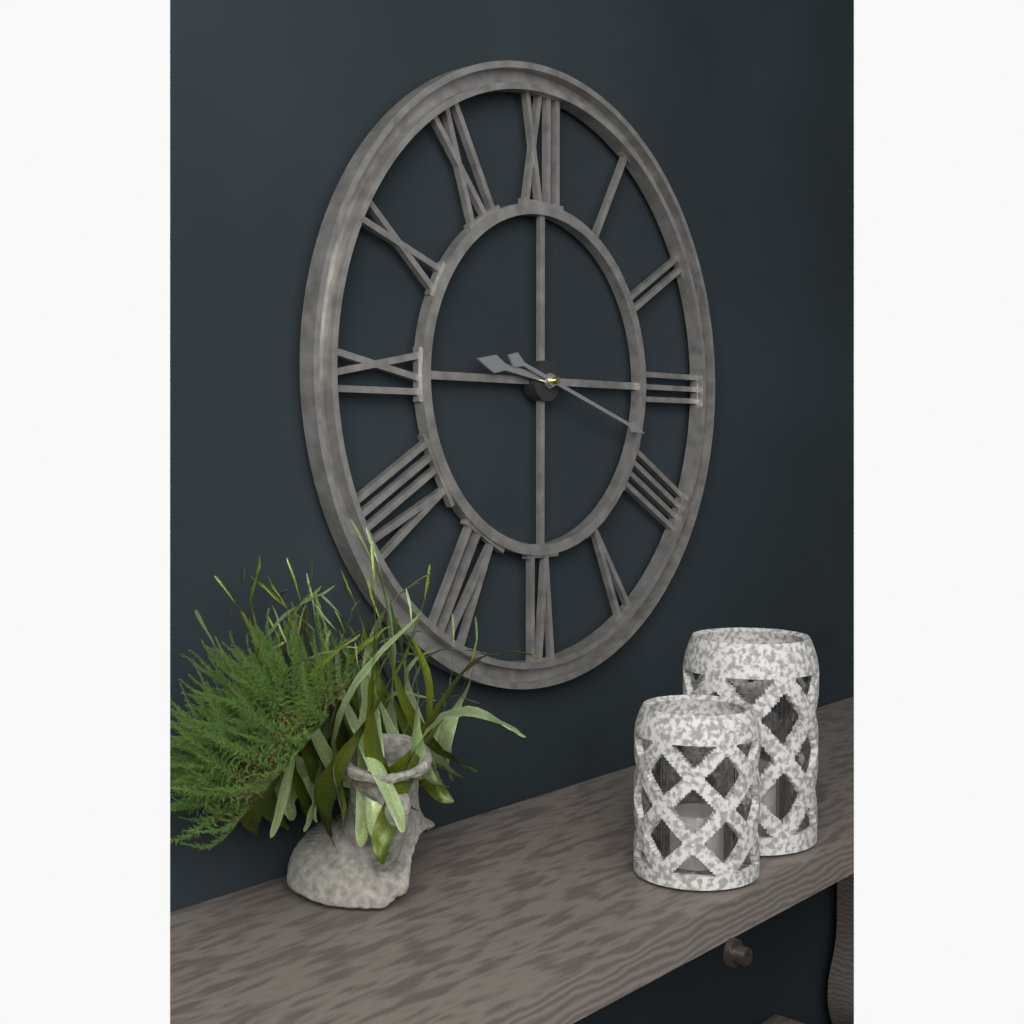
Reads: 9.18
